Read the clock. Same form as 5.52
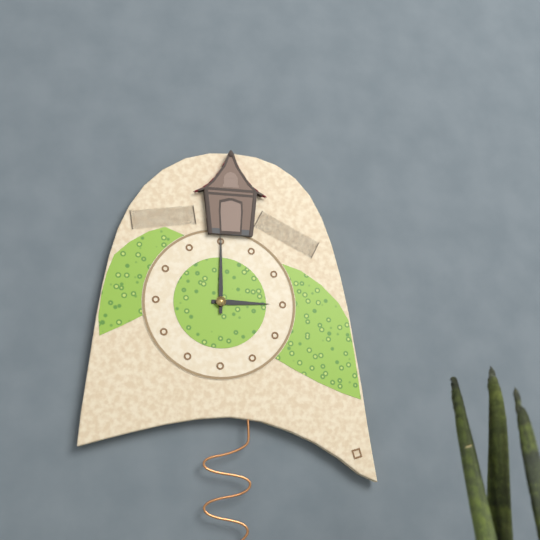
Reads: 3.00
